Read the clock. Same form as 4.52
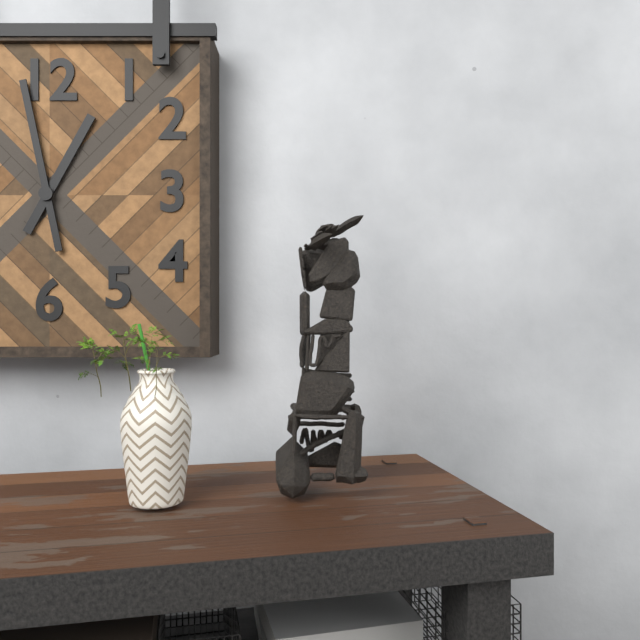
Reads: 12.58
